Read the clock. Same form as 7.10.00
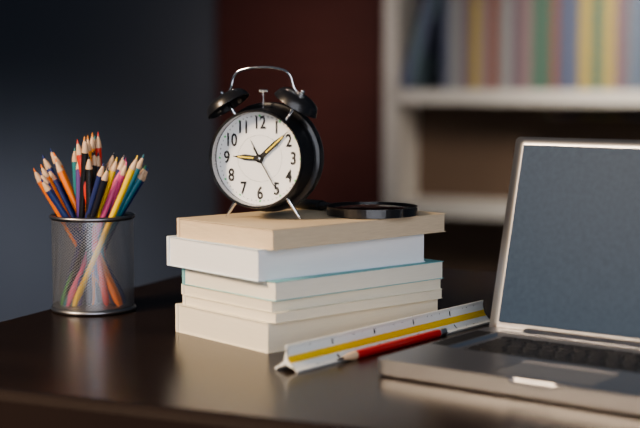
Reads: 9.08.25
